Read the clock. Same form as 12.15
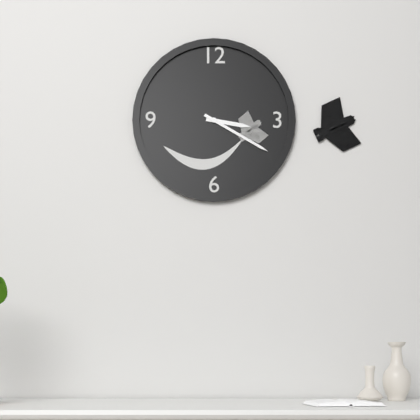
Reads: 3.20
